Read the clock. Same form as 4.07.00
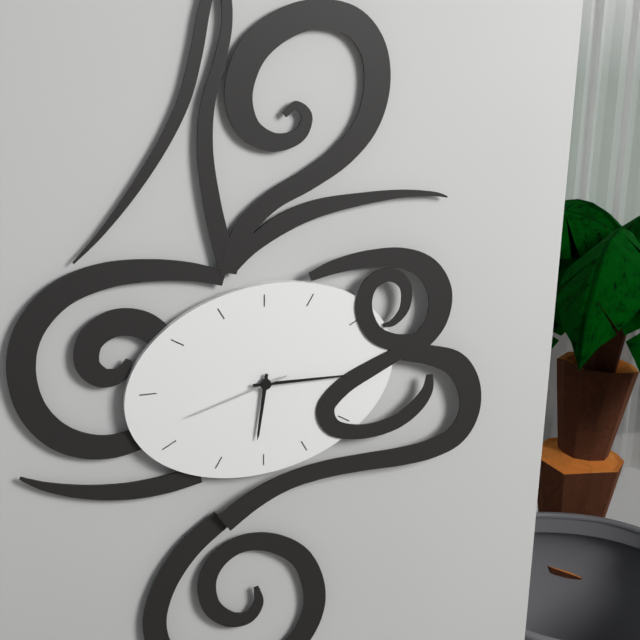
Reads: 6.15.42
